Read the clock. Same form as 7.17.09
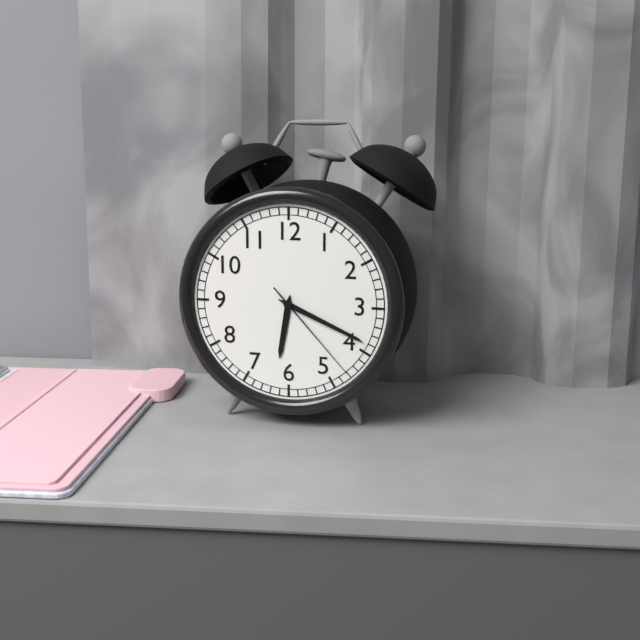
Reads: 6.19.23
